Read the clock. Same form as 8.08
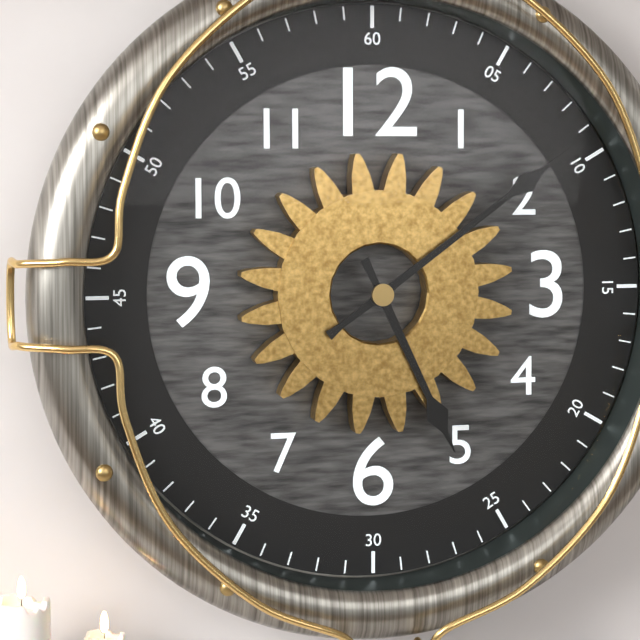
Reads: 5.09
